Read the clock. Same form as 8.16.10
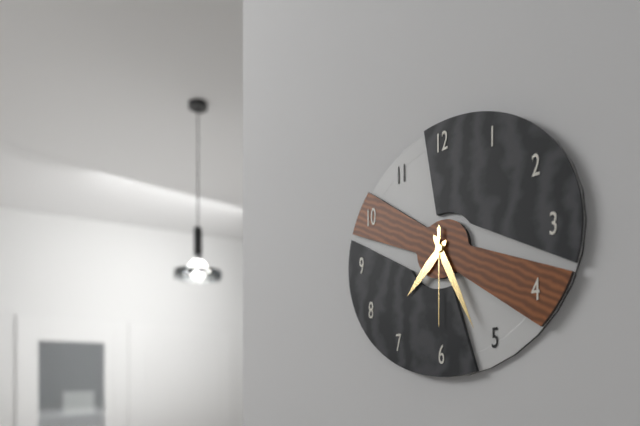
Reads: 7.26.30
